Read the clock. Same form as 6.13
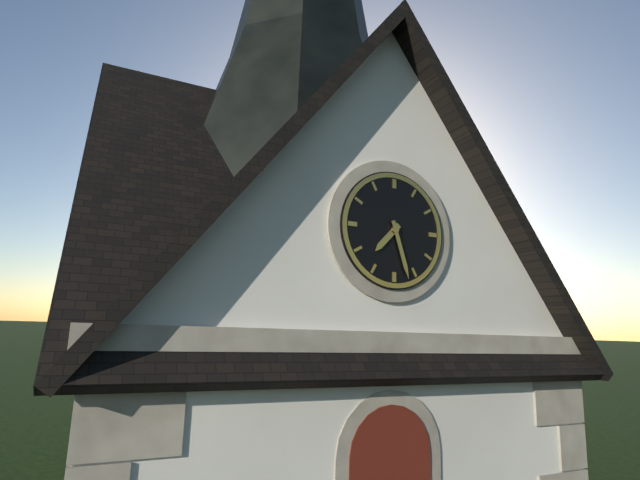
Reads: 7.27
